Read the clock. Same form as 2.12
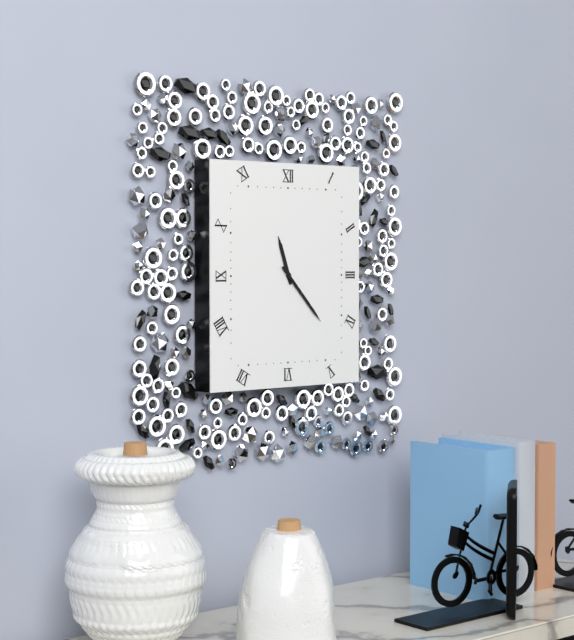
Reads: 11.23
